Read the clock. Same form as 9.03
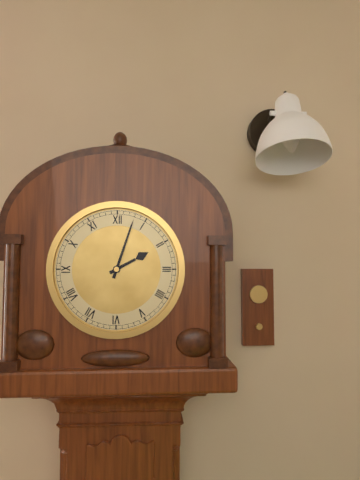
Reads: 2.03
